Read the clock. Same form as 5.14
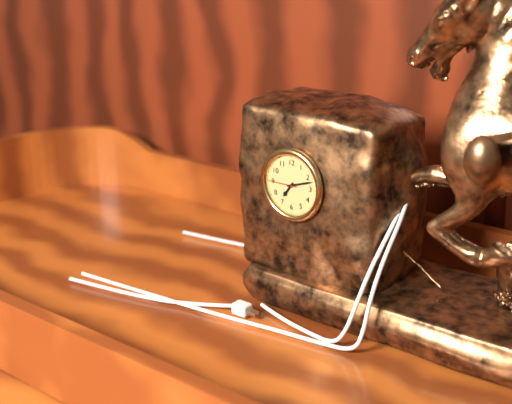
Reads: 7.12
